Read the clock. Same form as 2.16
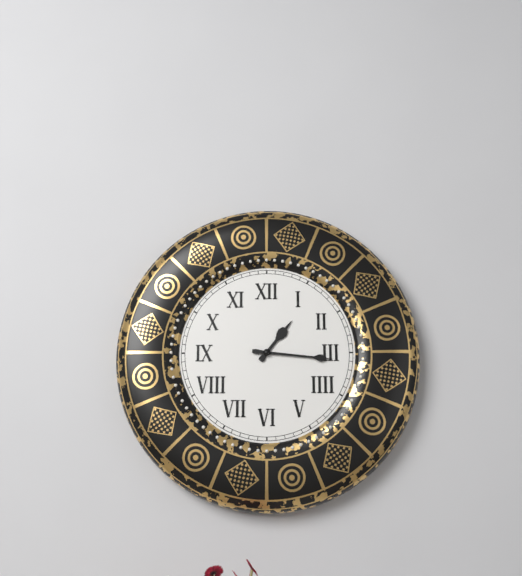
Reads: 1.16
